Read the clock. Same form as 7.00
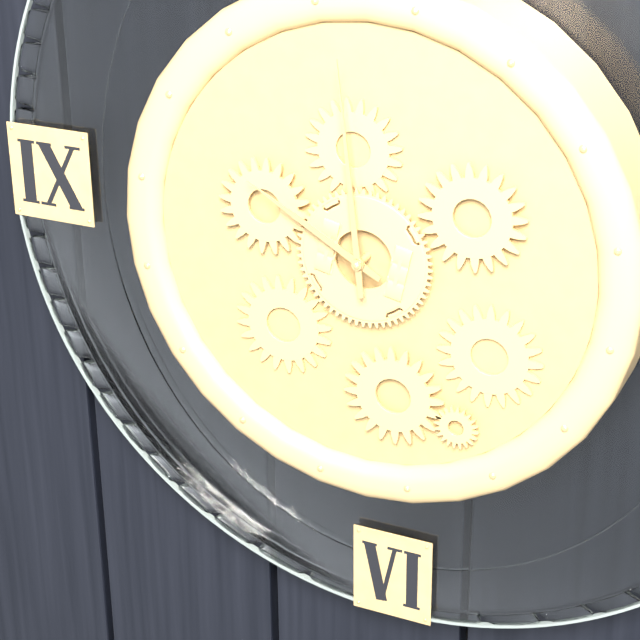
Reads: 9.59
